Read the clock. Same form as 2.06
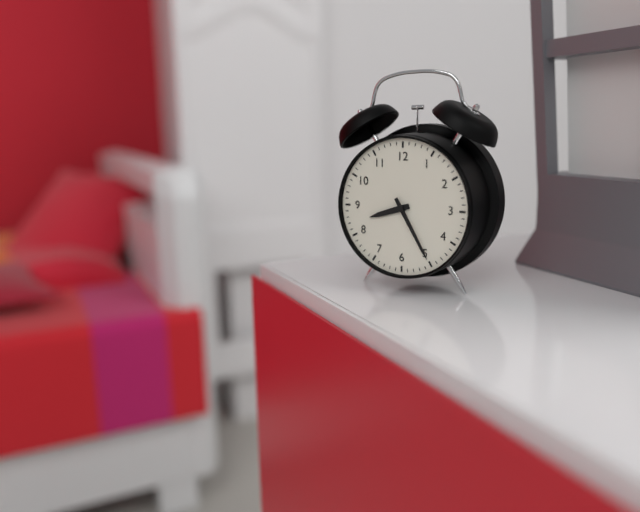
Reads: 8.25
